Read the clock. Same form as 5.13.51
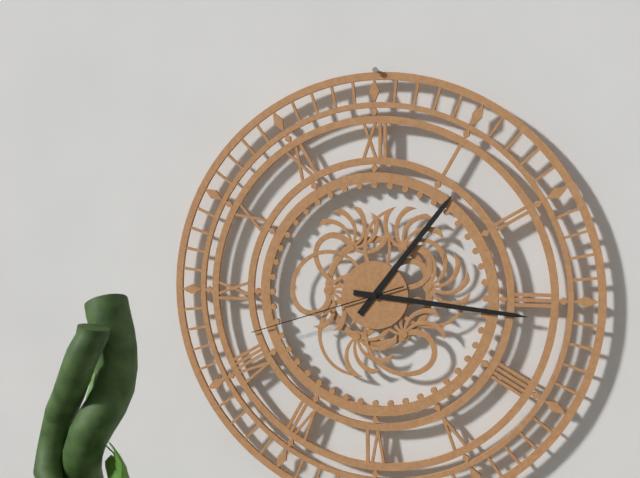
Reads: 1.16.42
